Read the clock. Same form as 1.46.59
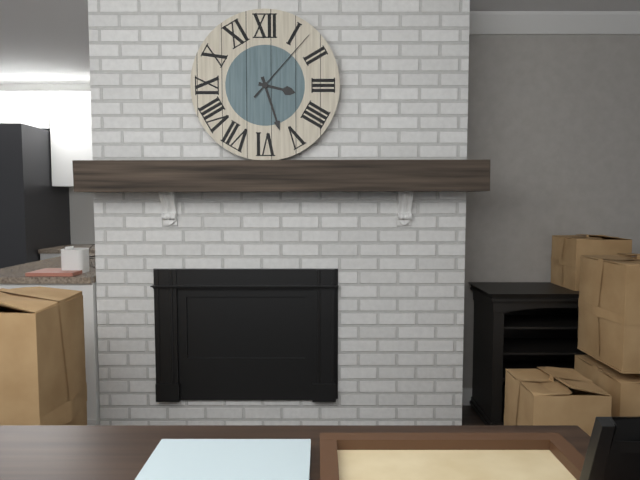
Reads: 3.27.07
